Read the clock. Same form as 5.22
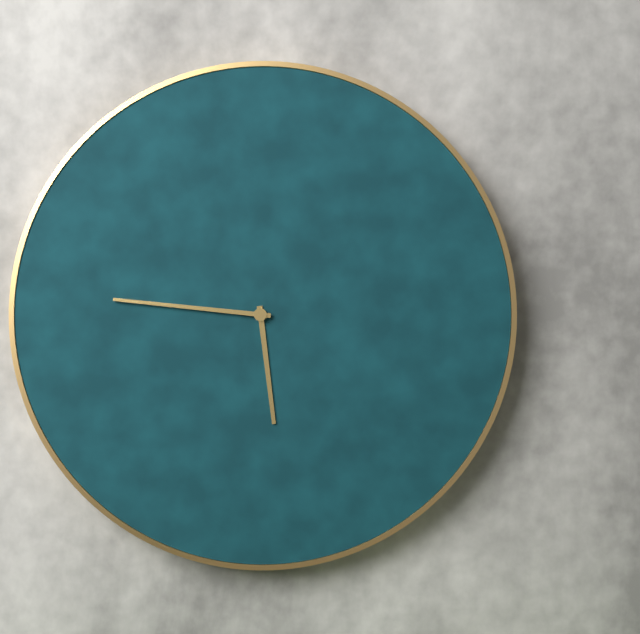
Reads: 5.46
